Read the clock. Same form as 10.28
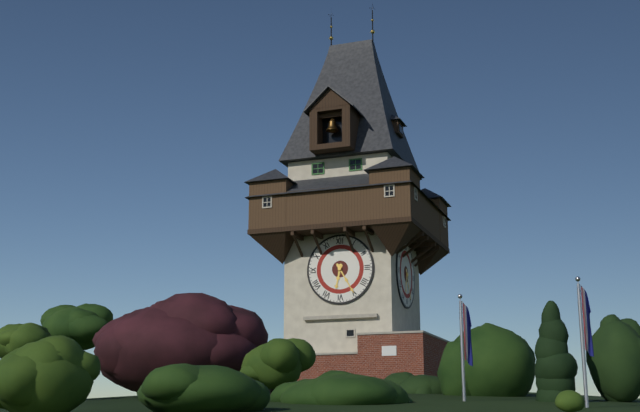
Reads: 6.25
